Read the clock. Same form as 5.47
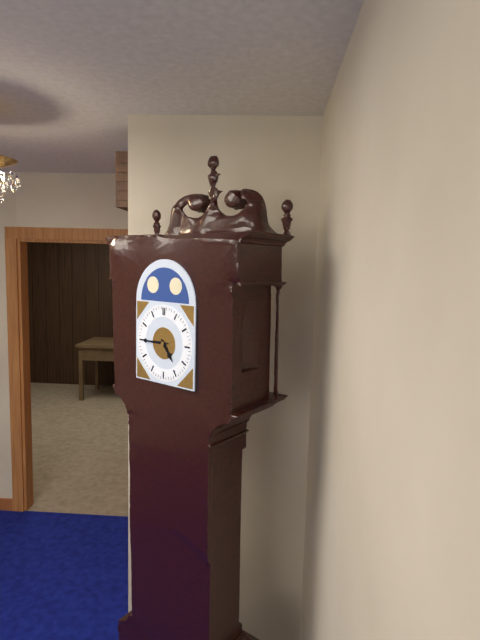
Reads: 4.45
